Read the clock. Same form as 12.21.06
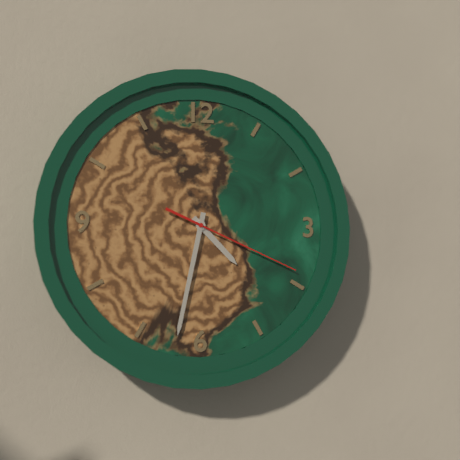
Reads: 4.32.19
